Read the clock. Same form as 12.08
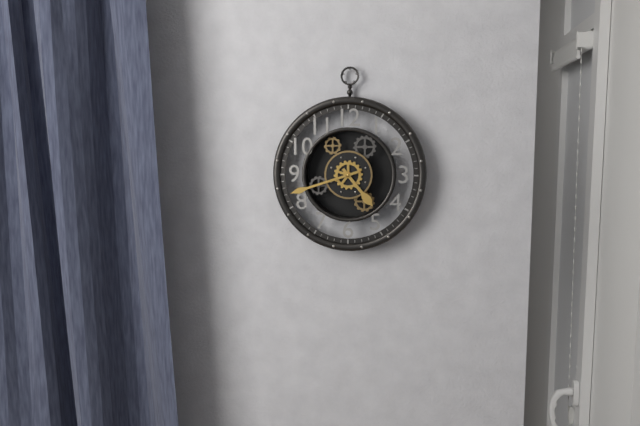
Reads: 4.42
